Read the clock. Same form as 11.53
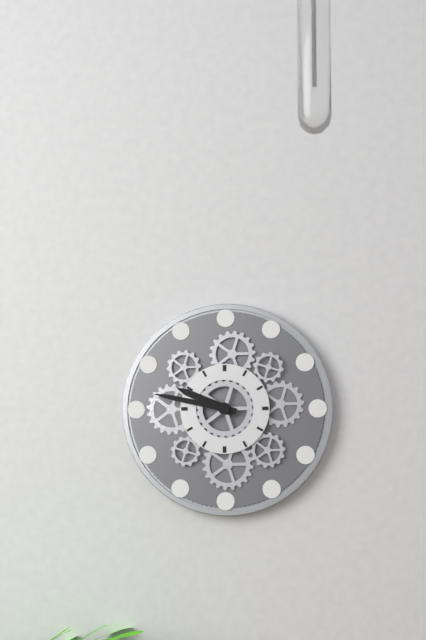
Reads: 9.47
